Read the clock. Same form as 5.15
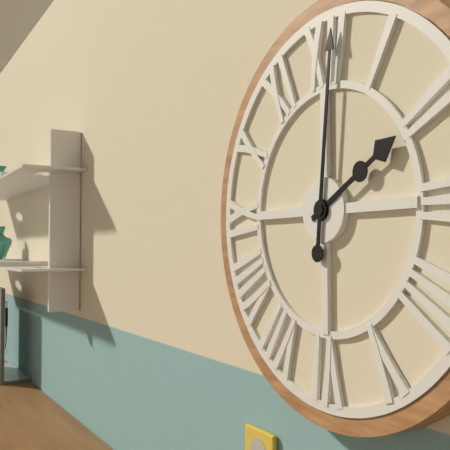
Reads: 2.01
